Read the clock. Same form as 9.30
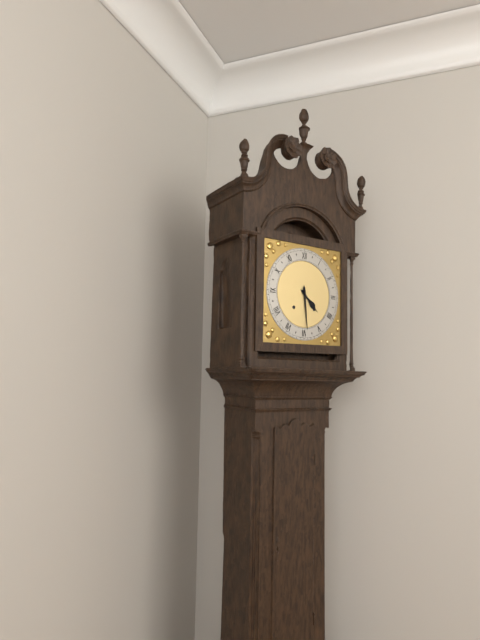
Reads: 4.29
